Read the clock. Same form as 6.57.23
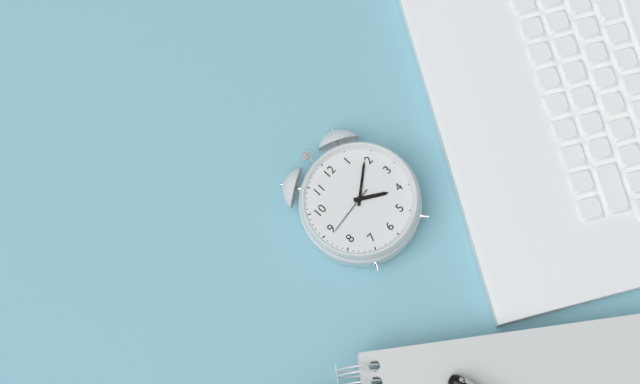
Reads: 4.09.44
